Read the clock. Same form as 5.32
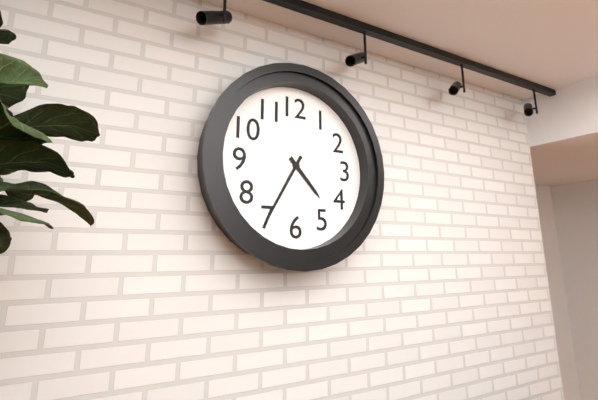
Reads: 4.35
